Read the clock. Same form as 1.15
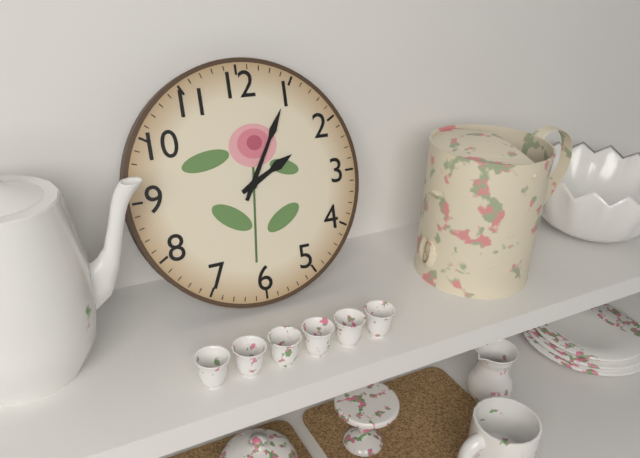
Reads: 2.05
